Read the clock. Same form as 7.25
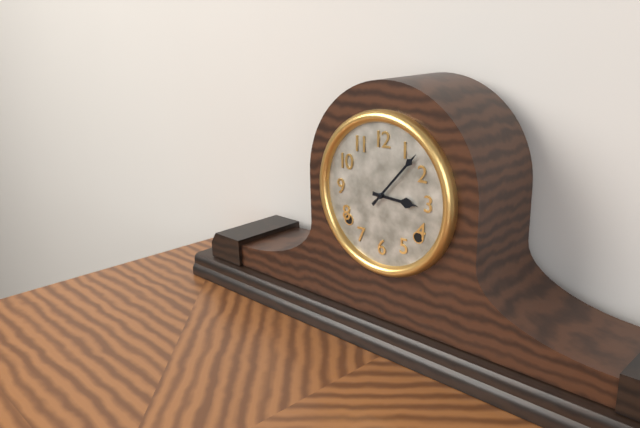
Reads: 3.07
